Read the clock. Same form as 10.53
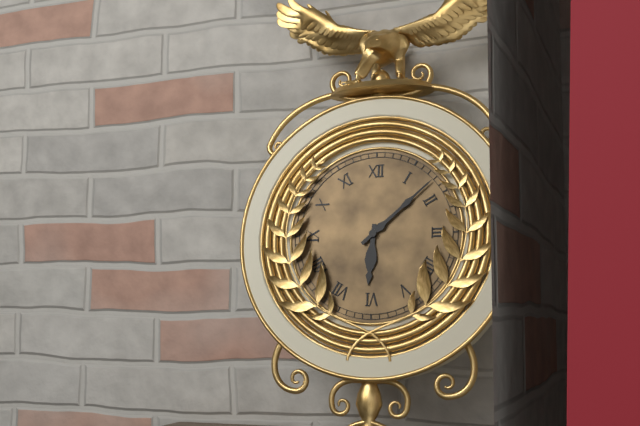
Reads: 6.08
